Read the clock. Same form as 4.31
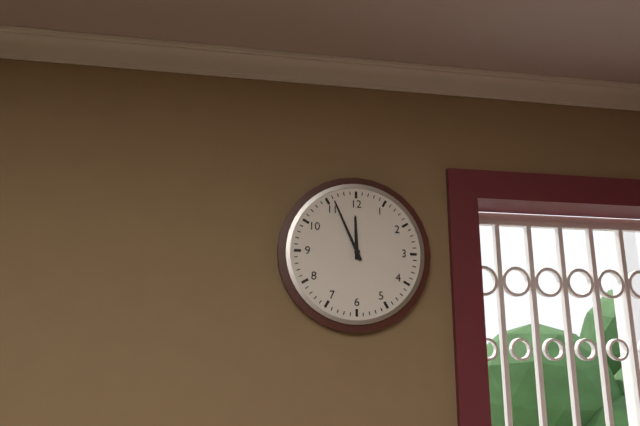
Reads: 11.56
